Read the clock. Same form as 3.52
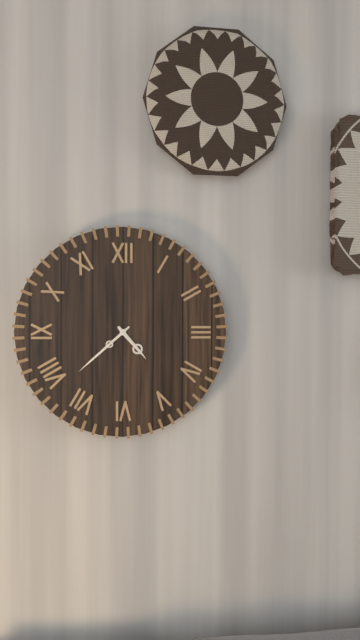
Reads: 4.38
